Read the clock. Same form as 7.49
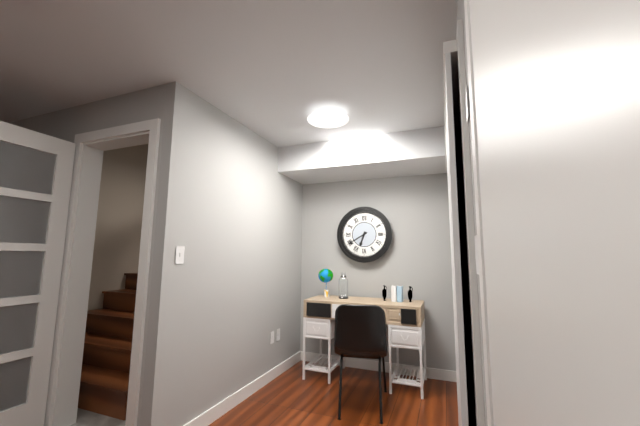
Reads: 6.40
